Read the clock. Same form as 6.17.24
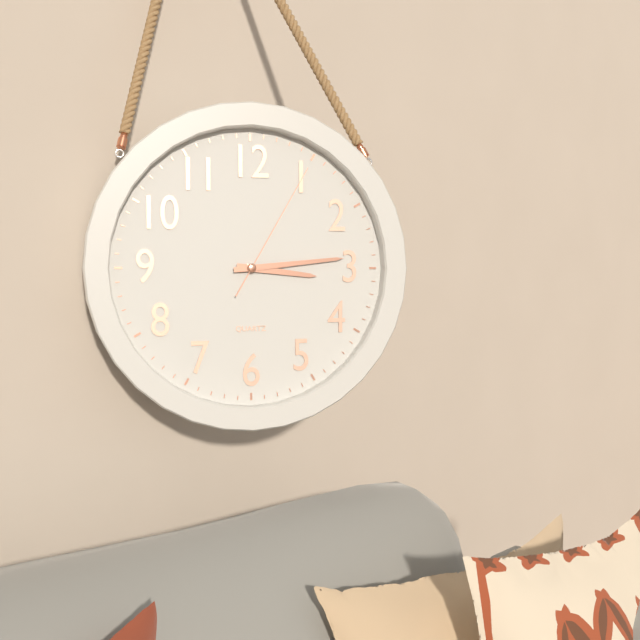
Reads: 3.14.05
